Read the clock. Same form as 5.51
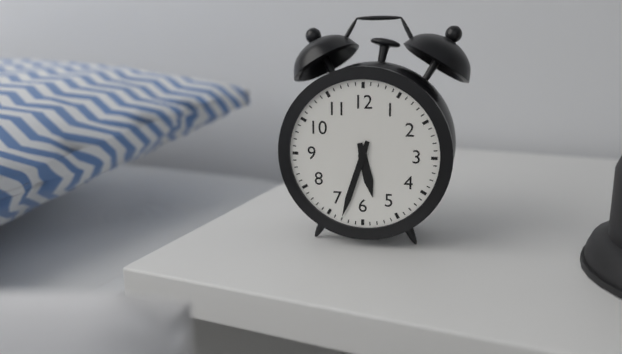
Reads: 5.33
